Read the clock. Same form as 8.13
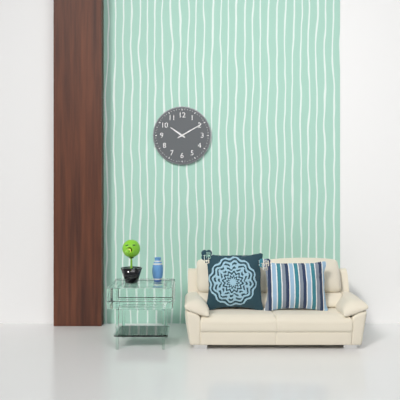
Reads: 10.10
